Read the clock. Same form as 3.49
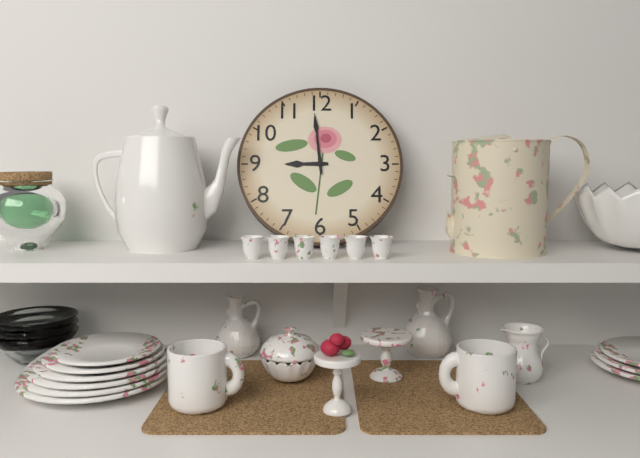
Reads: 8.59
